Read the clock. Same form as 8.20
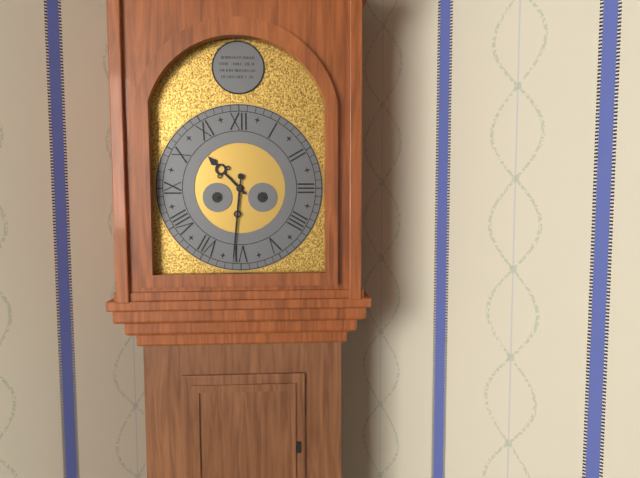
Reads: 10.31
